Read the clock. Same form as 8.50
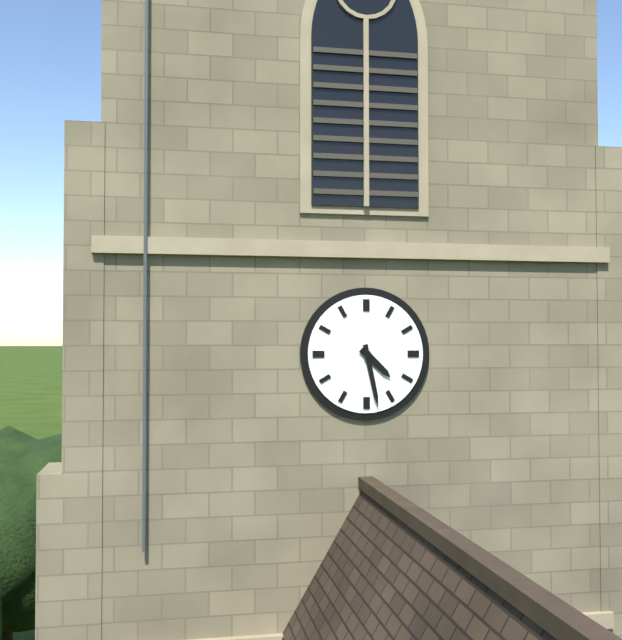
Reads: 4.28
